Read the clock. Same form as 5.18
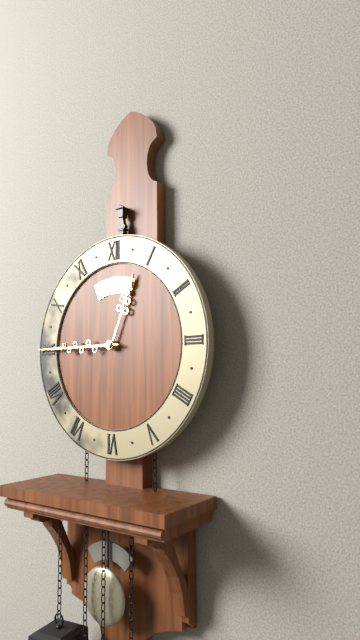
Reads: 12.45
